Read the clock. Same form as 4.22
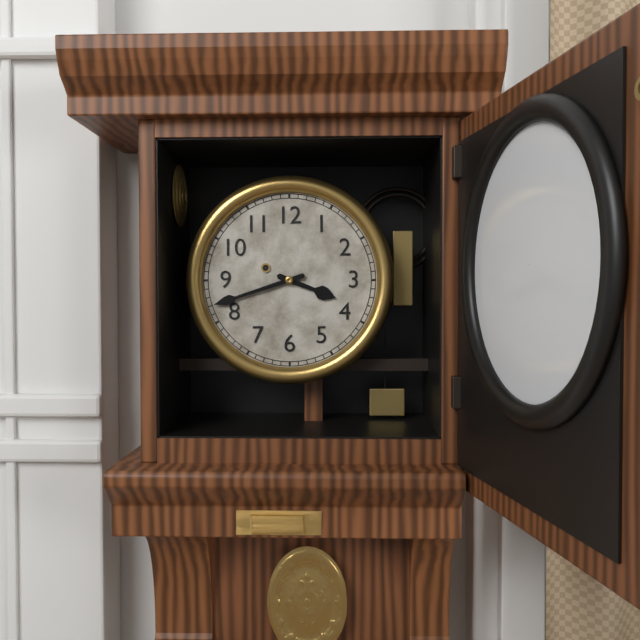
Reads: 3.42
